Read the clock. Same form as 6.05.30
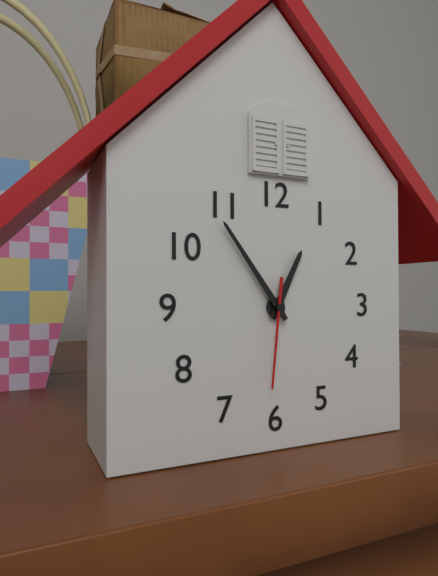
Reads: 12.54.31
